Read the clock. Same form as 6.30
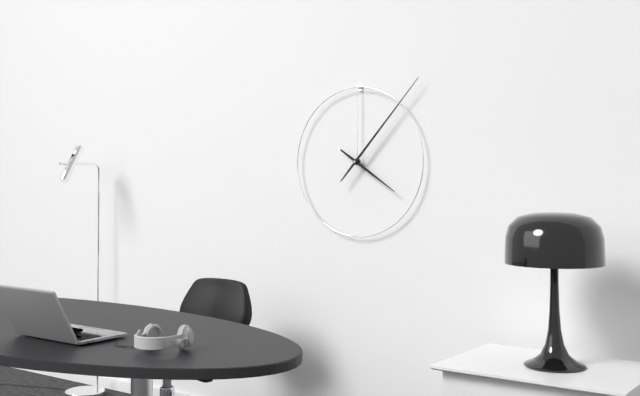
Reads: 4.07
